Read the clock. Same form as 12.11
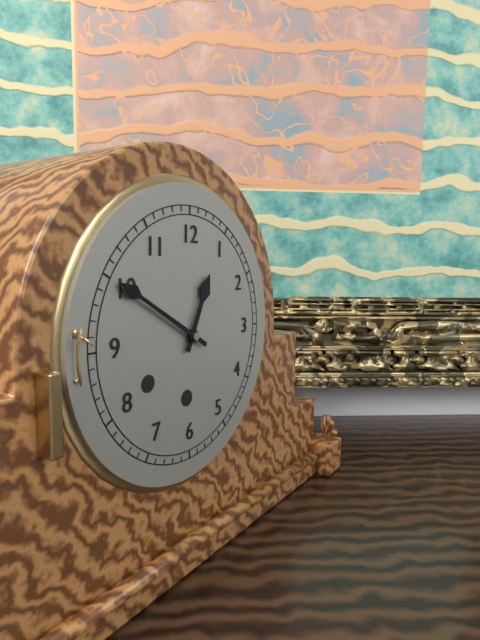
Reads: 12.50
